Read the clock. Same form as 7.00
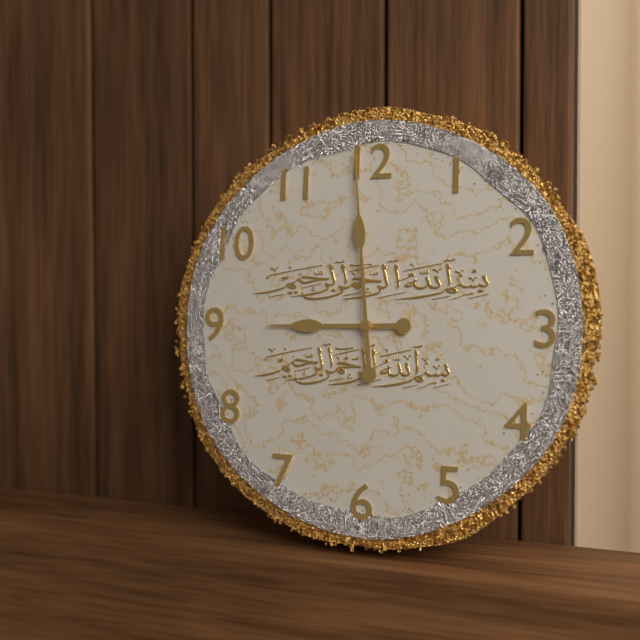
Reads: 8.59
